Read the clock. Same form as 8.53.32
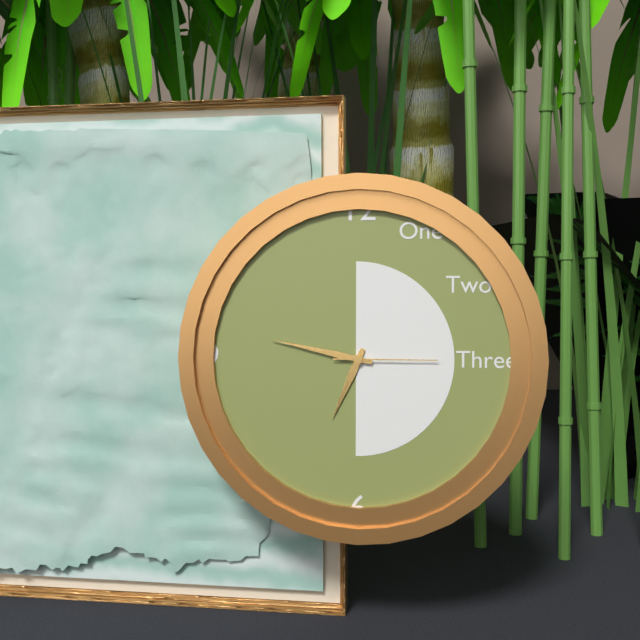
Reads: 6.47.15
